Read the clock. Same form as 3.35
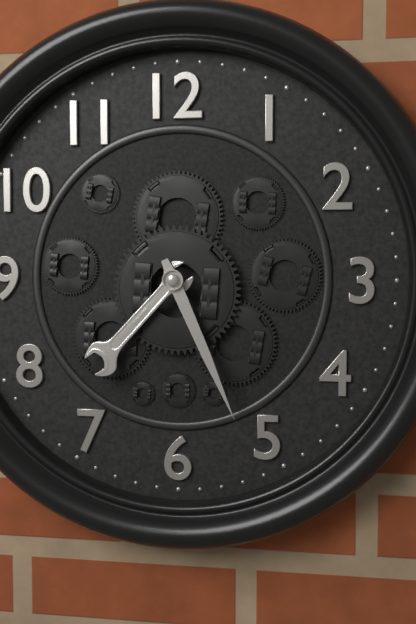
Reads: 7.26
